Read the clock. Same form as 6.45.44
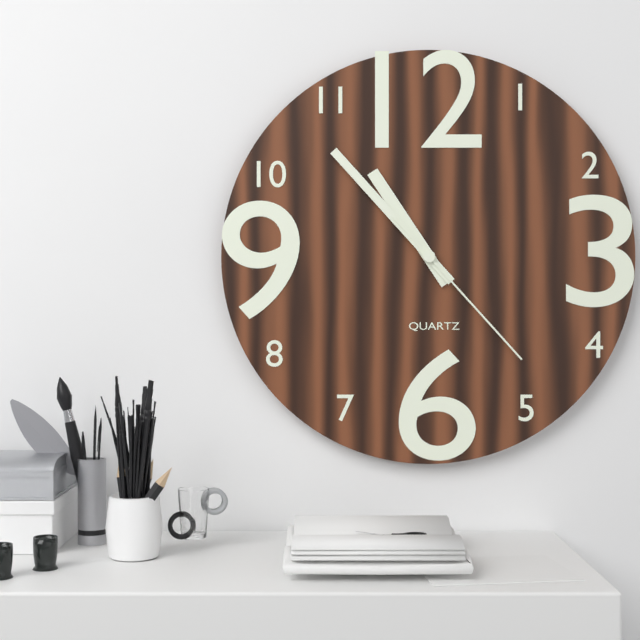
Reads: 10.53.23
